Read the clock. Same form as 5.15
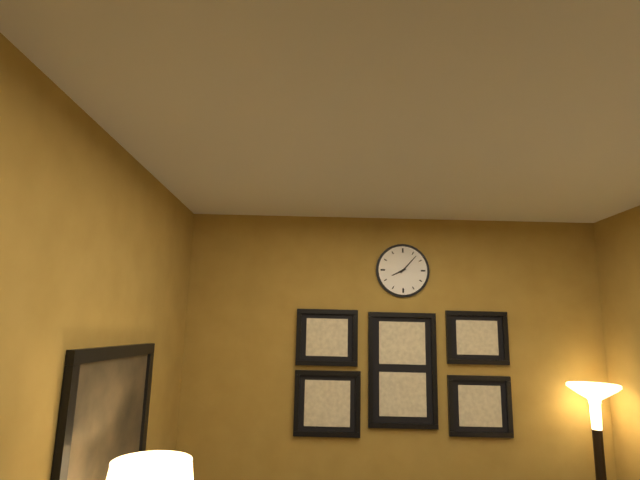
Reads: 8.07
